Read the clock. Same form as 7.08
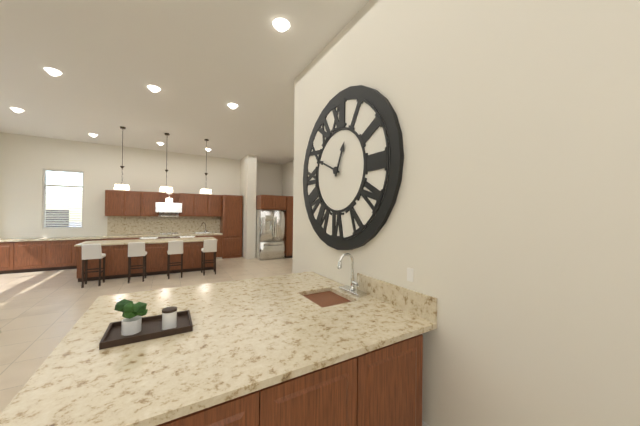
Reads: 12.49
